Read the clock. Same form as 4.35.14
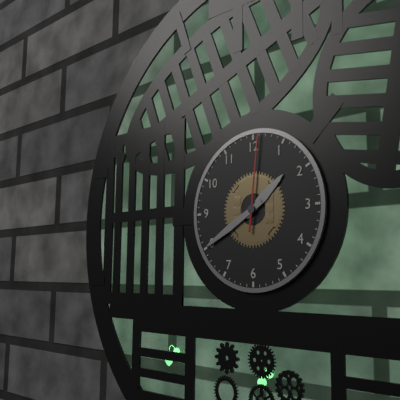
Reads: 1.40.01
